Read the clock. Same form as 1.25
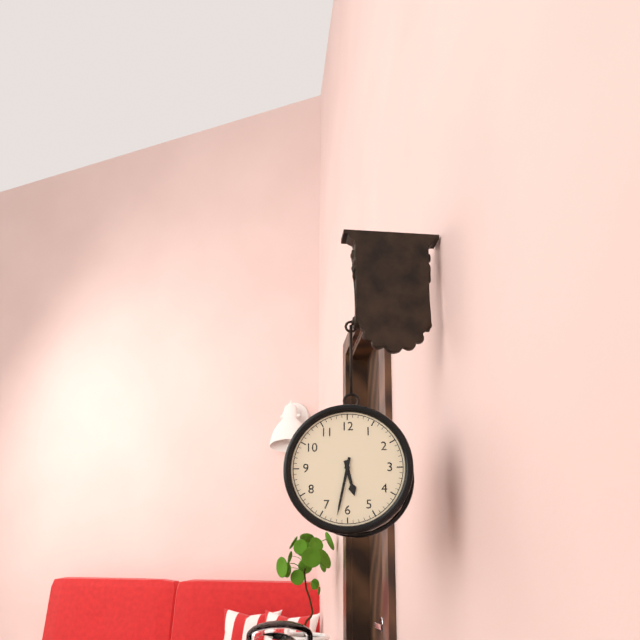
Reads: 5.32
